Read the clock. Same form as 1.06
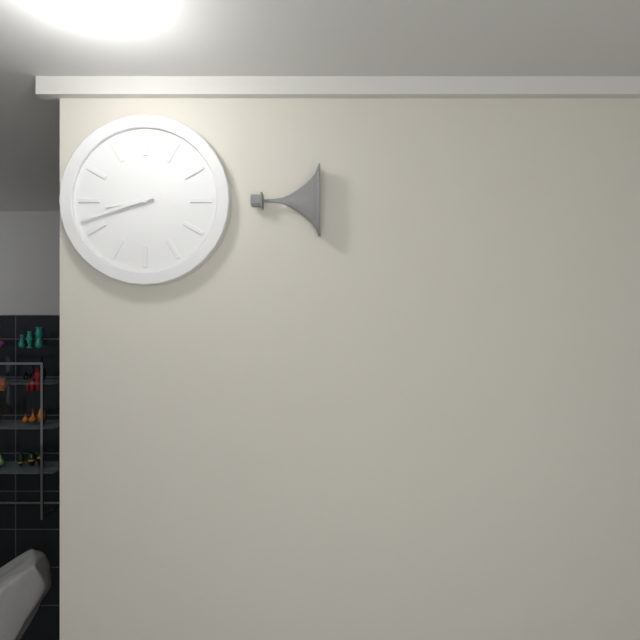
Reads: 8.42
